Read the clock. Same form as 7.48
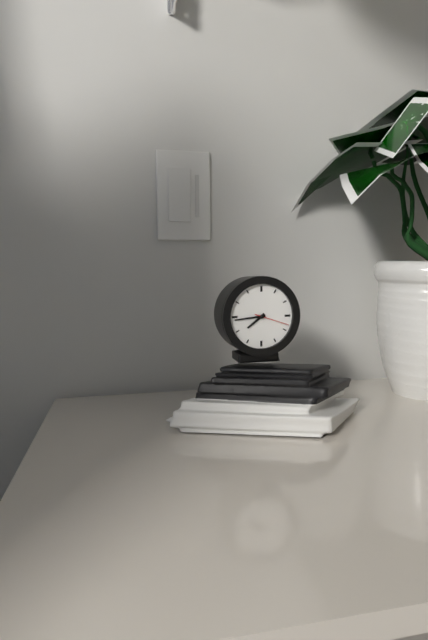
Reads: 7.44
